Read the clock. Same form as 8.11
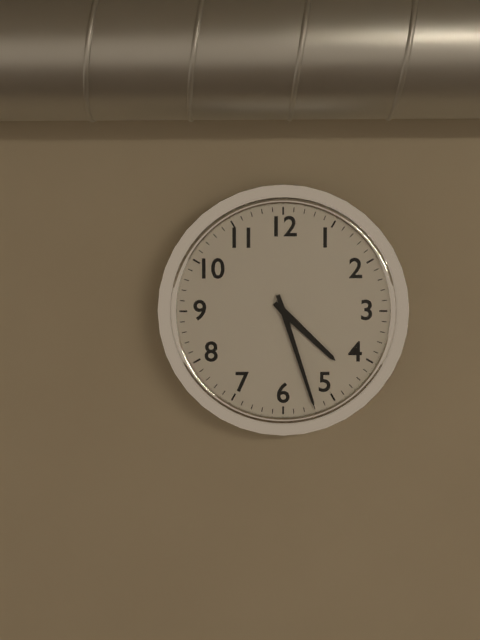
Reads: 4.27
